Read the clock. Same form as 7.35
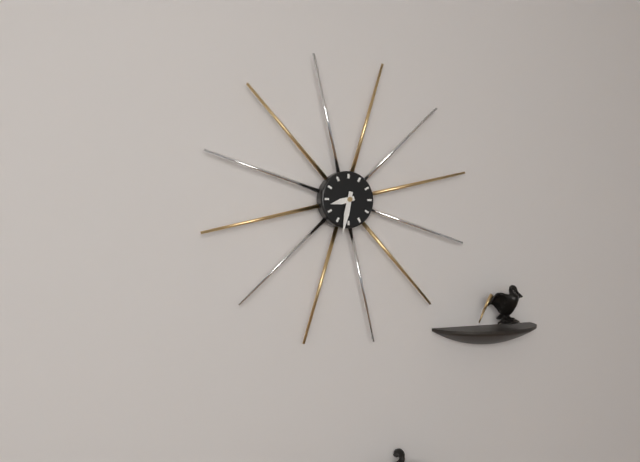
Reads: 8.32
